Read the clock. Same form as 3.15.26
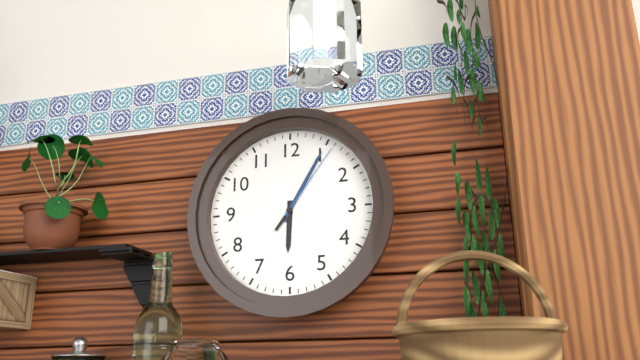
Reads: 6.05.06
